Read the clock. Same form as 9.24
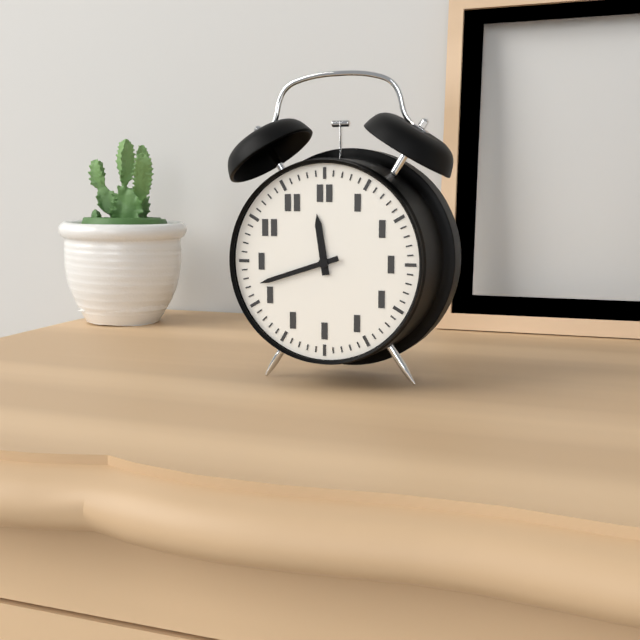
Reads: 11.42
